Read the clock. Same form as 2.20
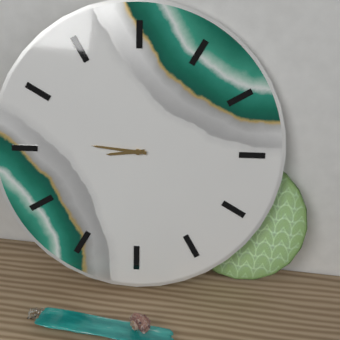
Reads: 8.46
